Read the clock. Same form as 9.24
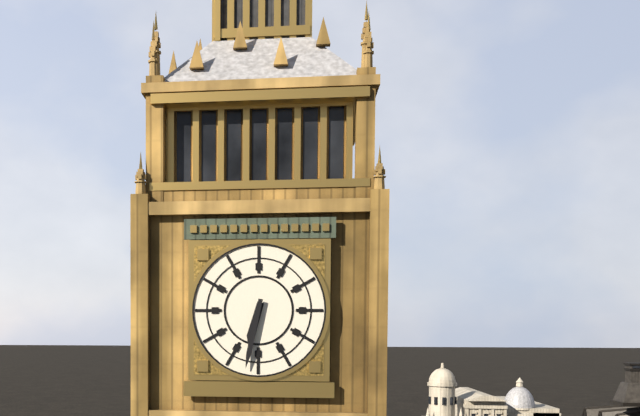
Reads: 6.32
